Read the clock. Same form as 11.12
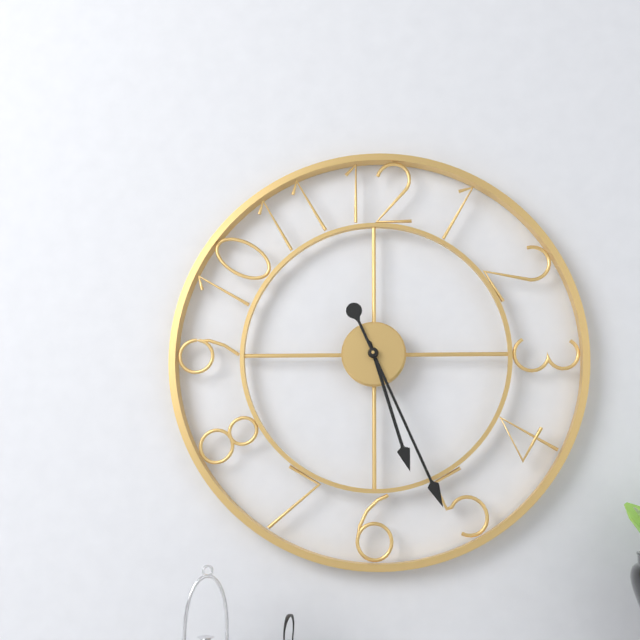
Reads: 5.26
